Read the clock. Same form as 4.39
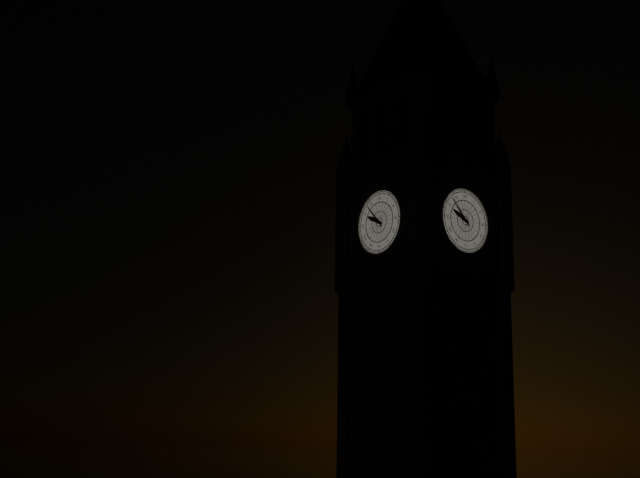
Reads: 9.53
